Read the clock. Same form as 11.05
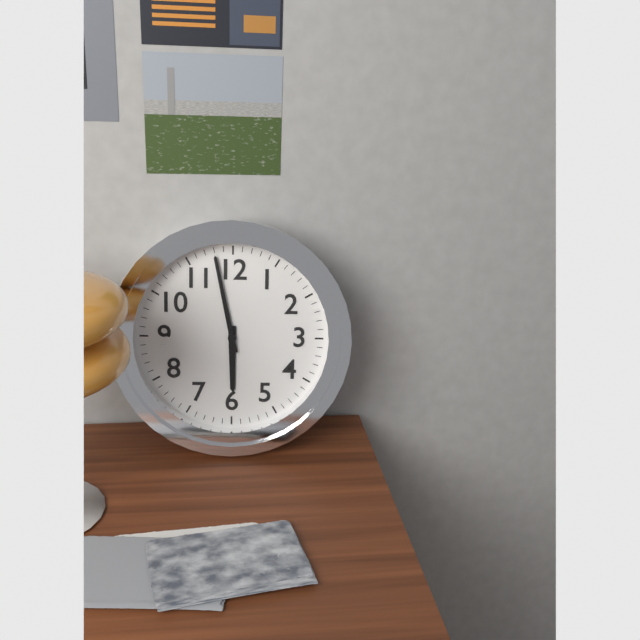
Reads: 5.58
